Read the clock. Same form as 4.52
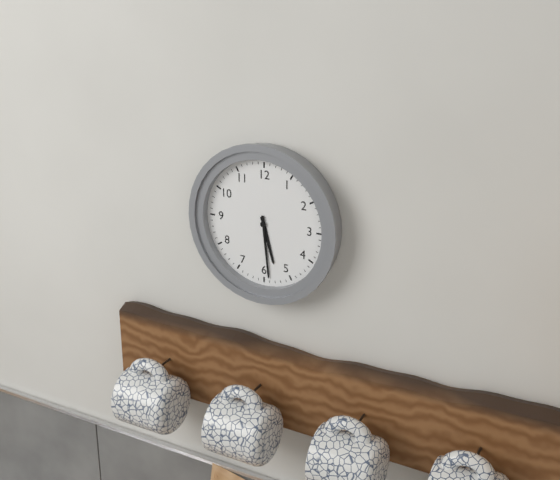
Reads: 5.29
